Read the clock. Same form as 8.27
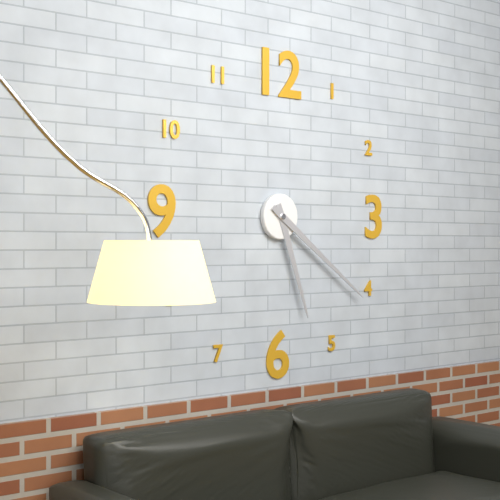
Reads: 5.21
